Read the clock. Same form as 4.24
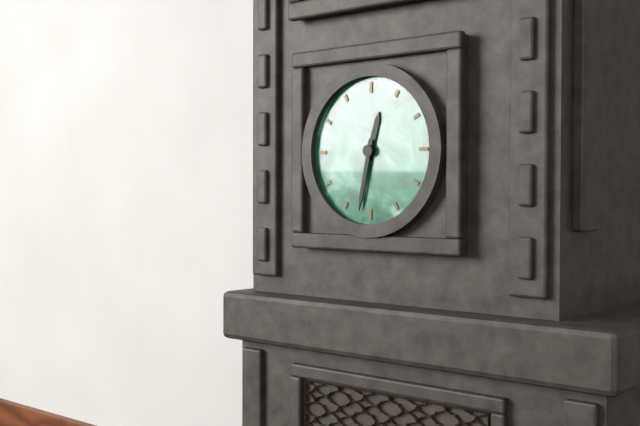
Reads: 12.32
